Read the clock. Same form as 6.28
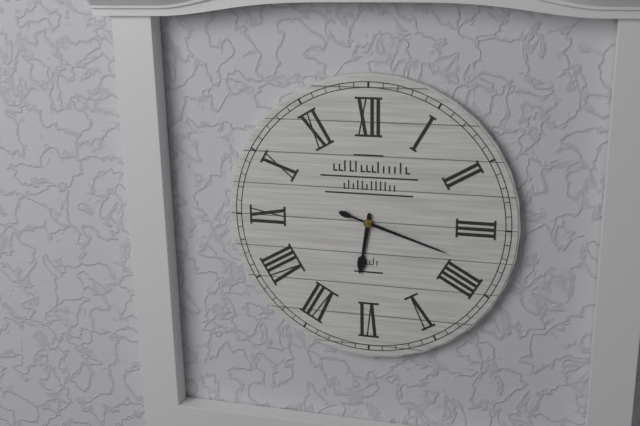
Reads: 6.18
